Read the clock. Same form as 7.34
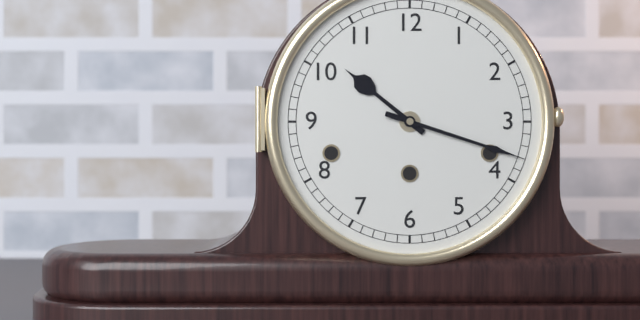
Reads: 10.18
